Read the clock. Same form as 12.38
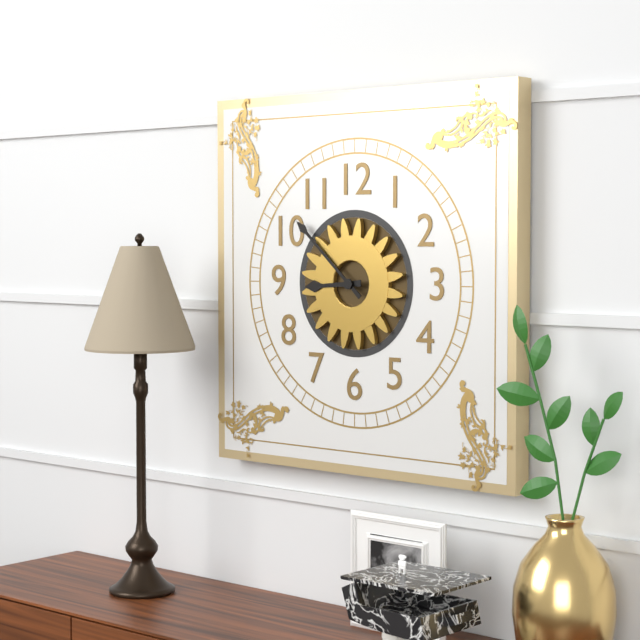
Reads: 8.52
